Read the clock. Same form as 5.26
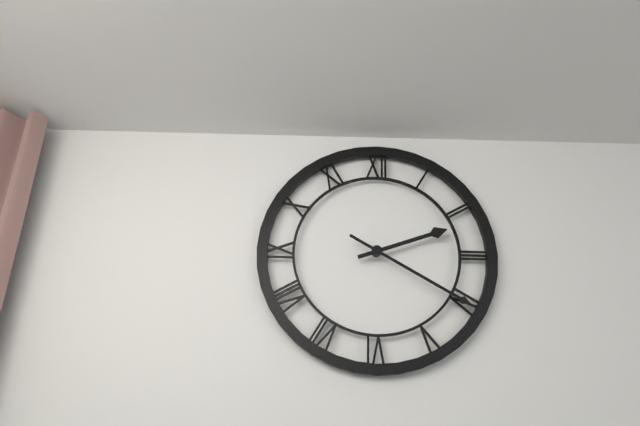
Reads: 2.20
